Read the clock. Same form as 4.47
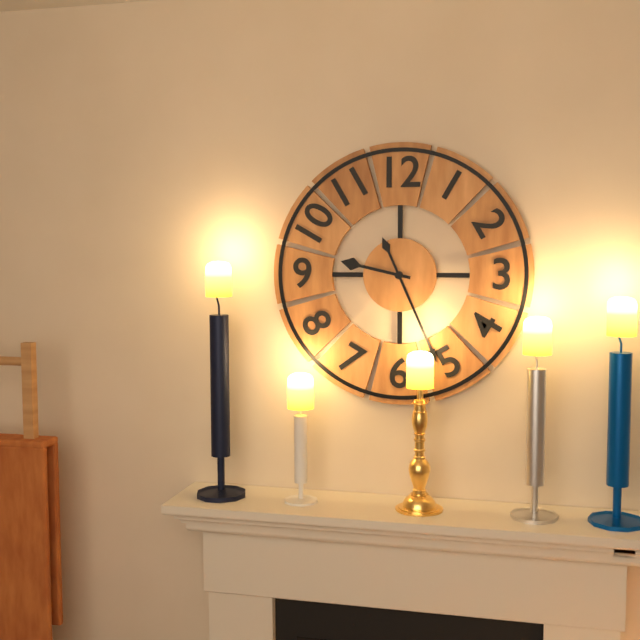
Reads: 9.26
